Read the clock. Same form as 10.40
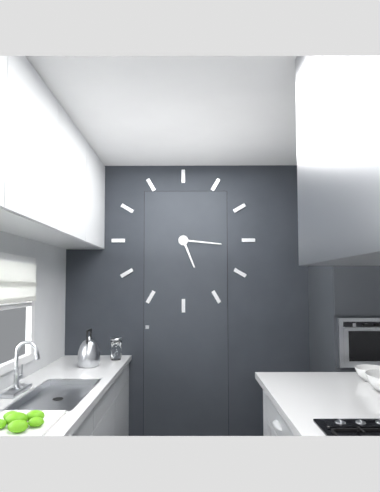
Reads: 5.16
